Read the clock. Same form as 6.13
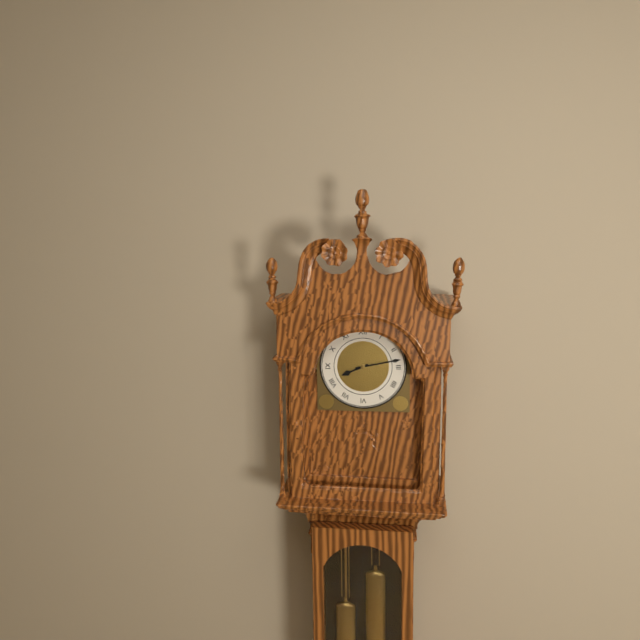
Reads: 8.13
